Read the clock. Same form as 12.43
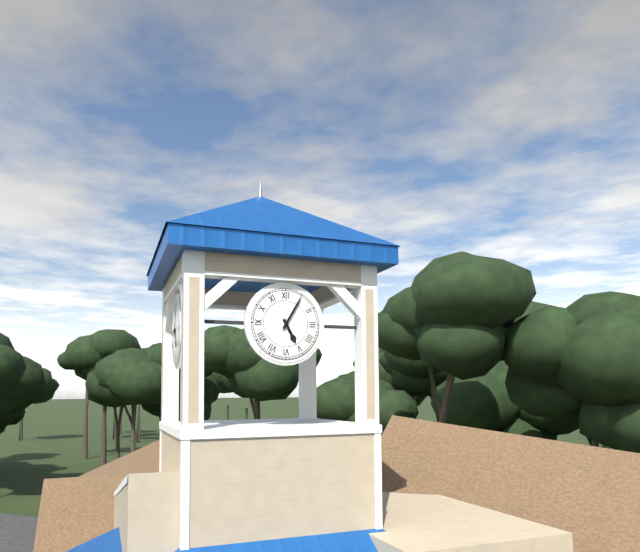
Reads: 5.05
